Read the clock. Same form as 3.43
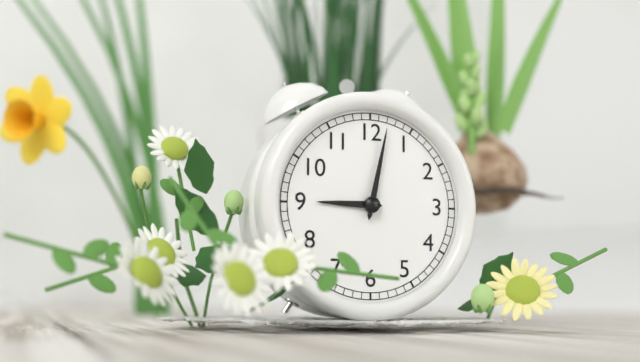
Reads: 9.02
